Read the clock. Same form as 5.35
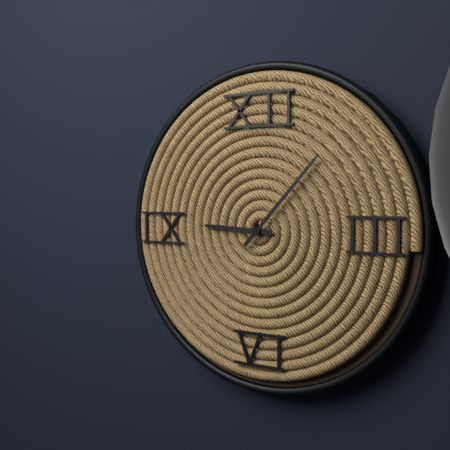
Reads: 9.07
